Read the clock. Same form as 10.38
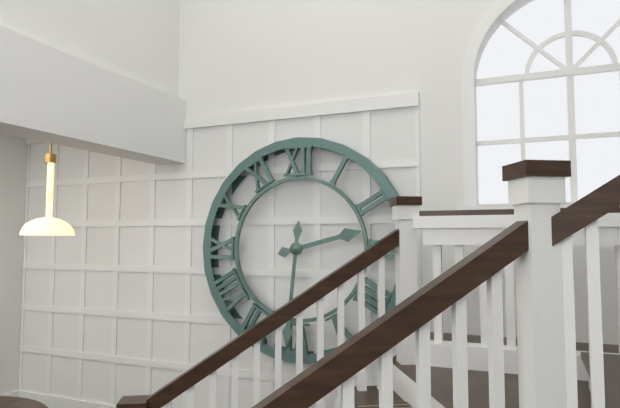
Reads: 2.31
